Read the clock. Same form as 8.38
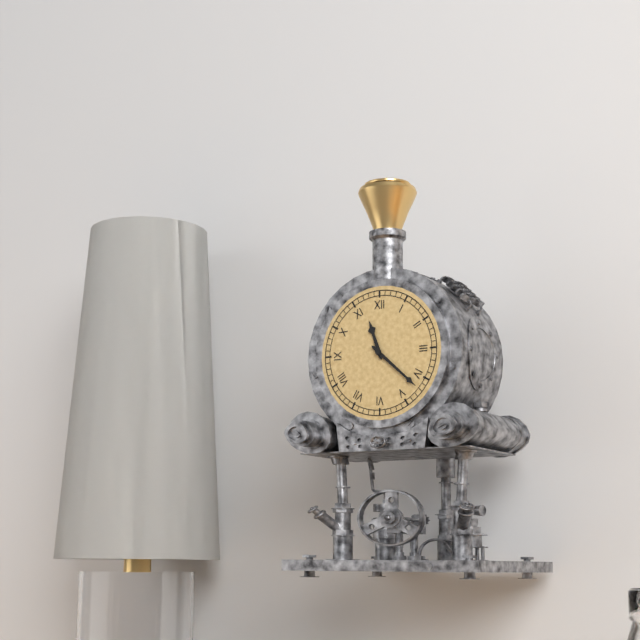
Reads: 11.22
